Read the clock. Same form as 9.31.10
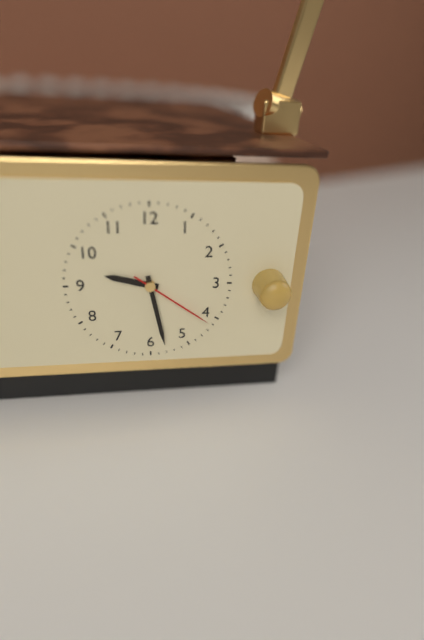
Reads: 9.28.21
